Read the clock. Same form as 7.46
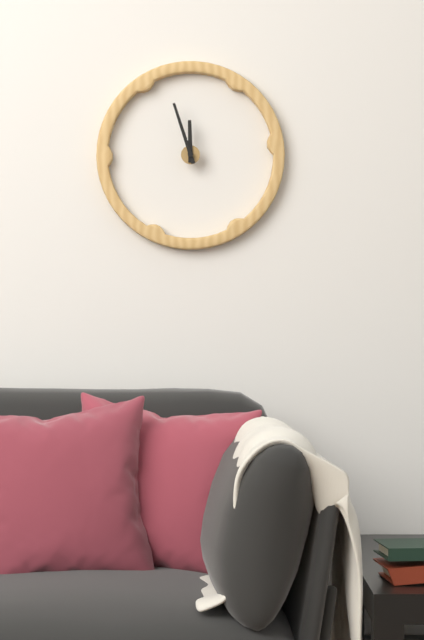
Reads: 11.57
